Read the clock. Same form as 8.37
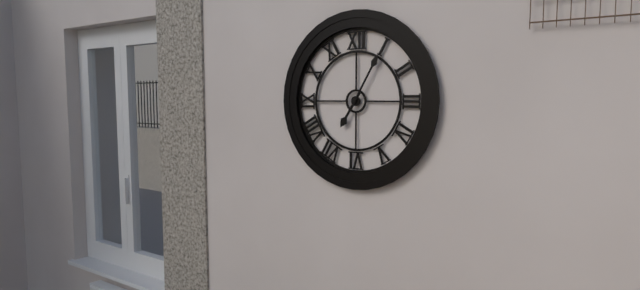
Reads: 7.05
